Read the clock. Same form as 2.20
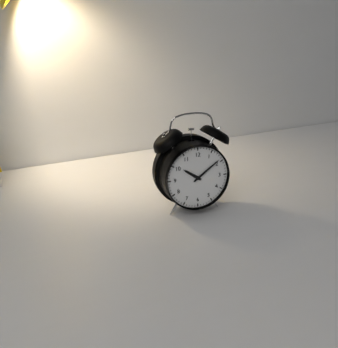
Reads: 10.09
